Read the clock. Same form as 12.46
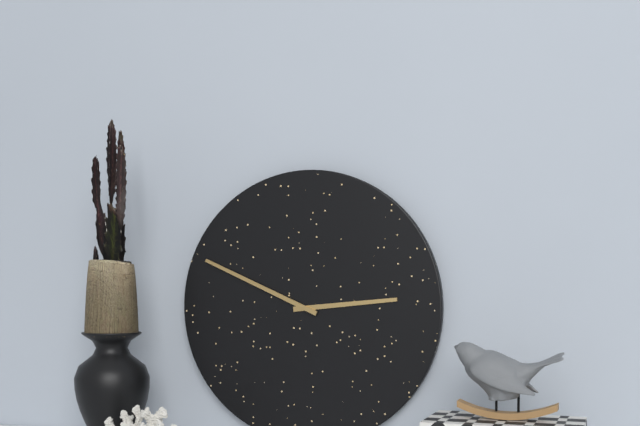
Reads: 2.49
